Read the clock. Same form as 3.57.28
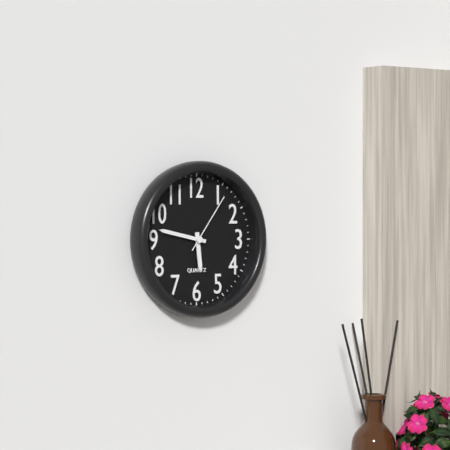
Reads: 5.47.06
